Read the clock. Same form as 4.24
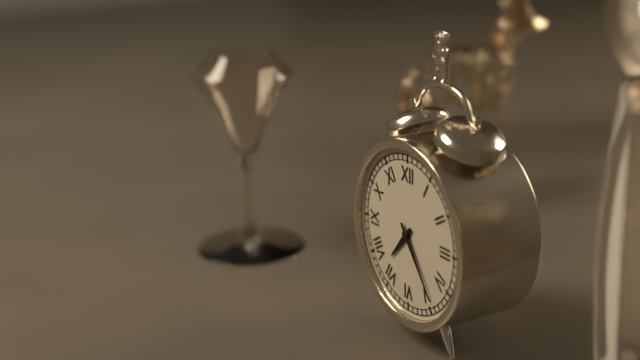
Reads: 7.24
